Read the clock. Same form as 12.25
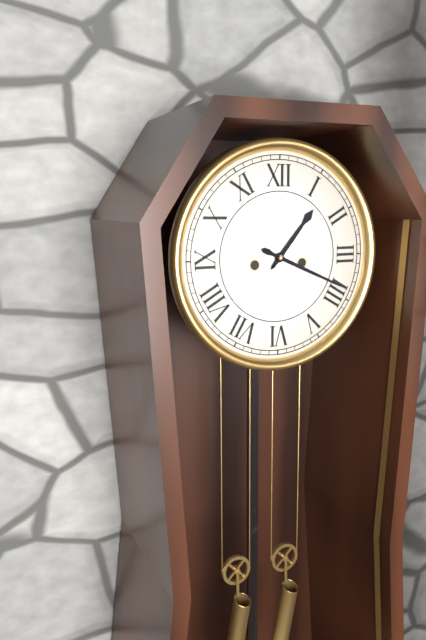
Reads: 1.19
